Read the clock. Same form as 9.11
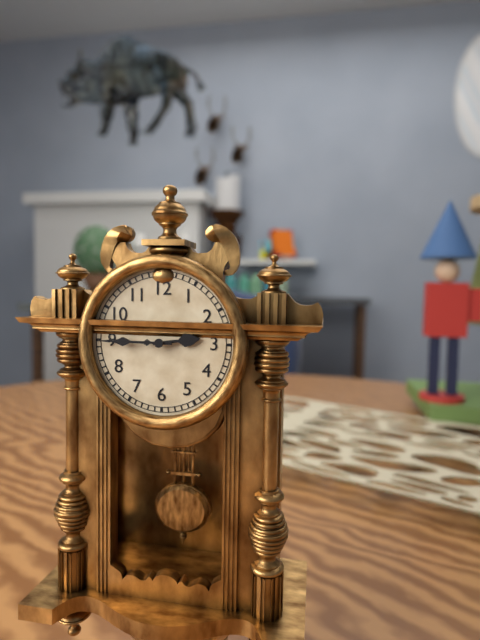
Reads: 2.45
